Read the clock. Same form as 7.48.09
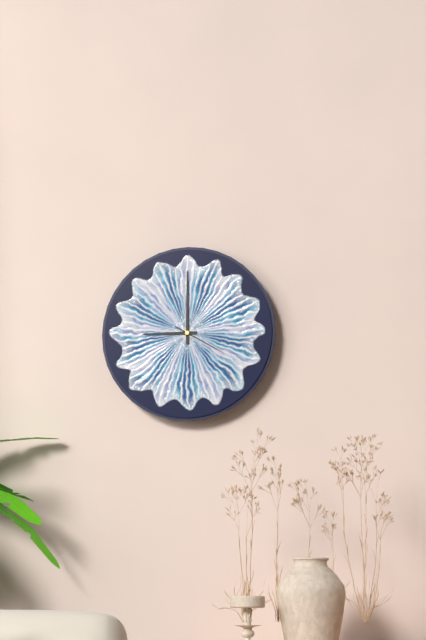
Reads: 9.00.20
